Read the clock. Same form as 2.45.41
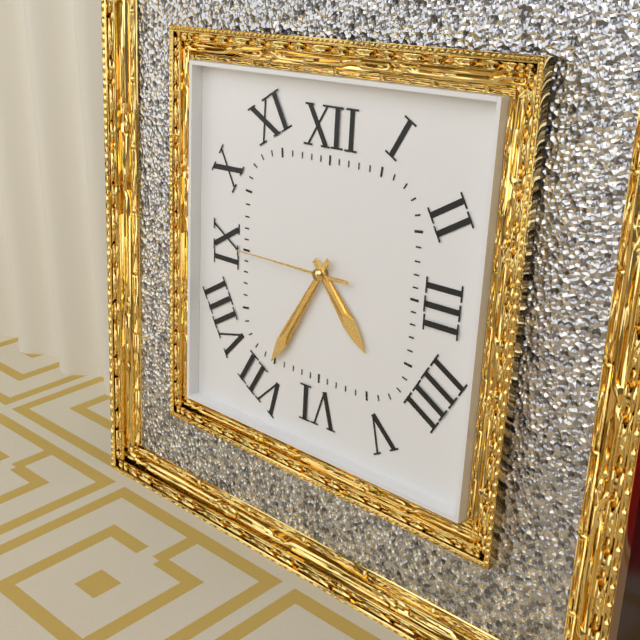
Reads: 4.35.45
